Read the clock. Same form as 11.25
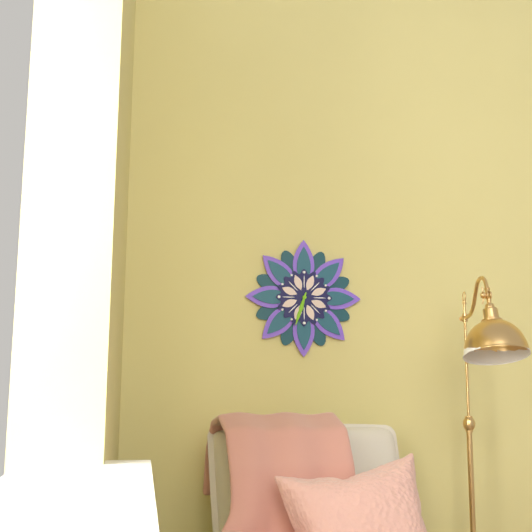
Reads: 6.33
